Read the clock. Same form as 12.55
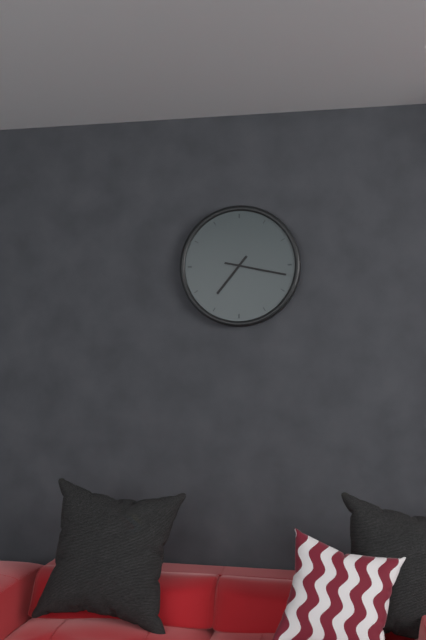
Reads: 7.17
